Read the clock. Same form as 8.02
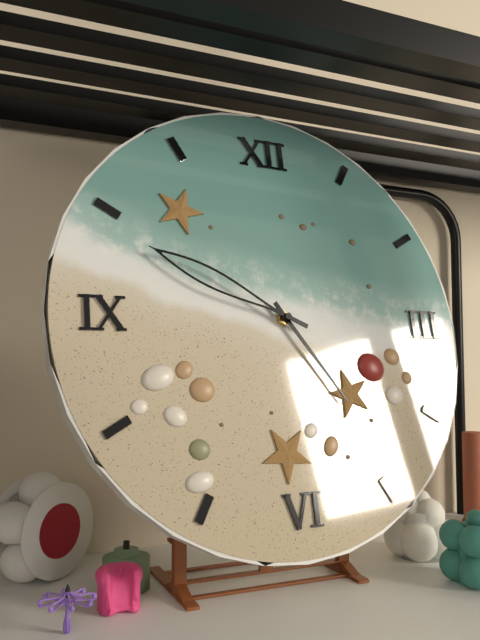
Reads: 4.49
